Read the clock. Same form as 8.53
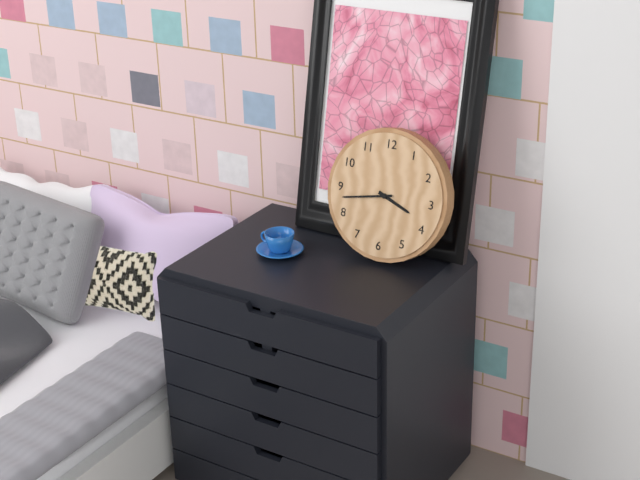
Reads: 3.43
